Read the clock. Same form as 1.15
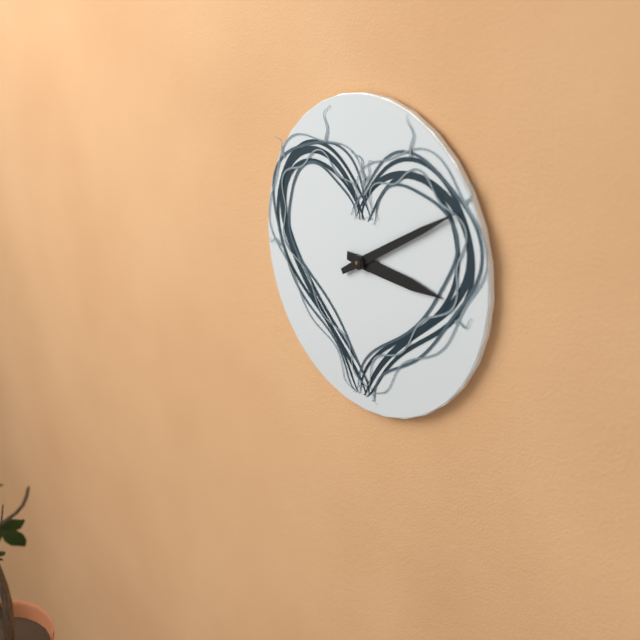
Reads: 3.10
